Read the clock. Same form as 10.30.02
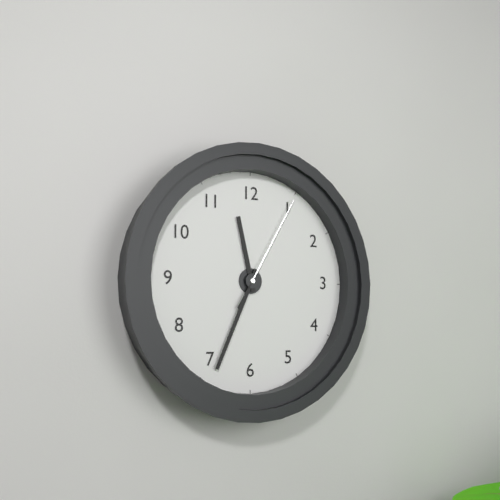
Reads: 11.34.05
